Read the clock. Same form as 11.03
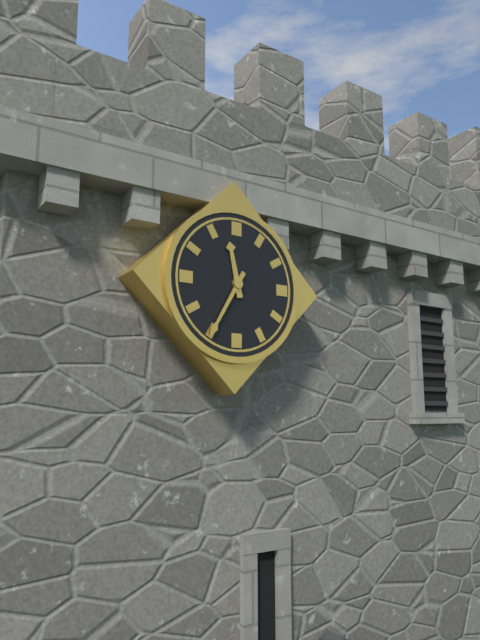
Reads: 11.35
